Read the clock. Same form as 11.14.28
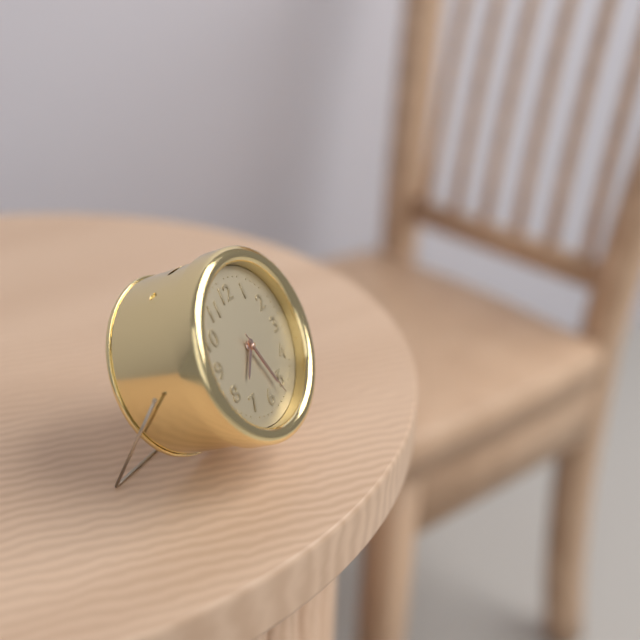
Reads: 7.27.27
